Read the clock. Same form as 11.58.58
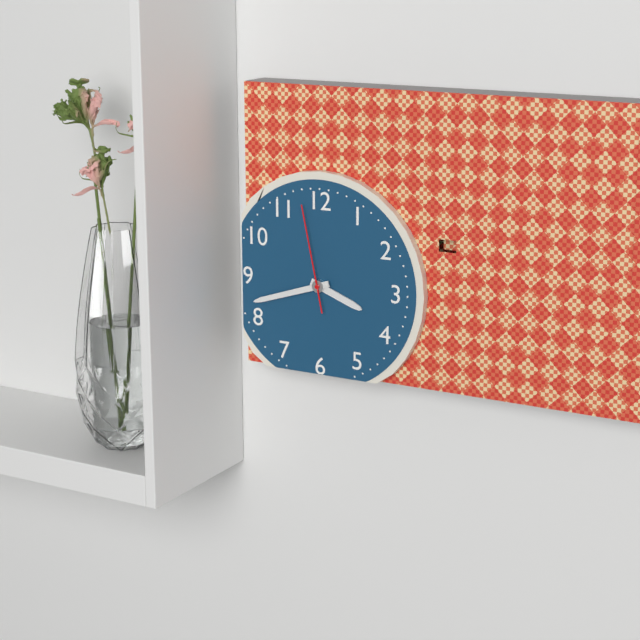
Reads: 3.42.58
